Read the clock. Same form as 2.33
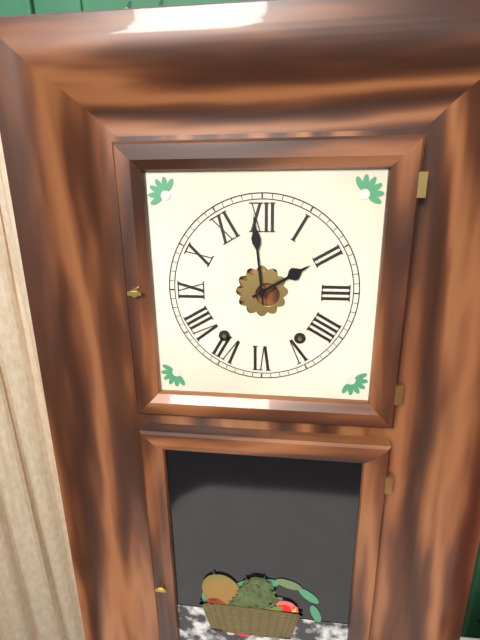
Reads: 1.59
